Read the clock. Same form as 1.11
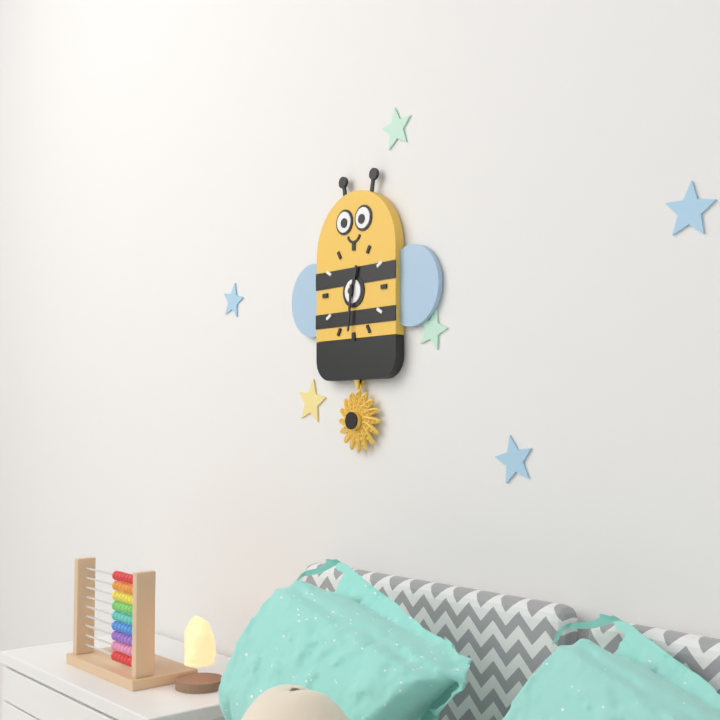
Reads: 12.31
